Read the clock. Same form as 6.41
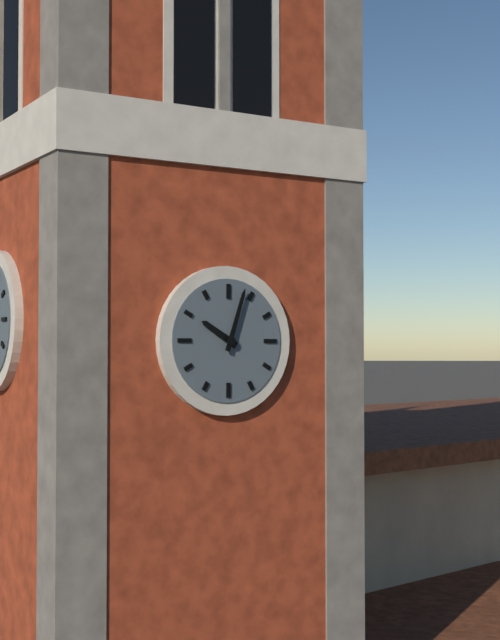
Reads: 10.03
